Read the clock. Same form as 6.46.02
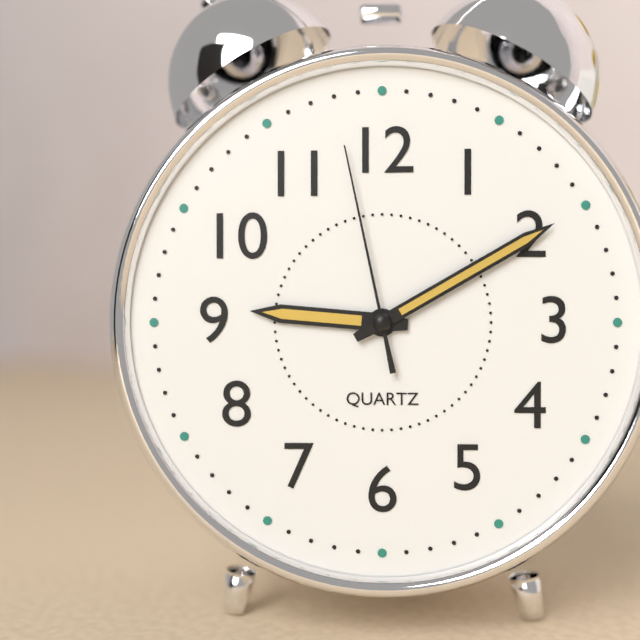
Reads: 9.10.58
